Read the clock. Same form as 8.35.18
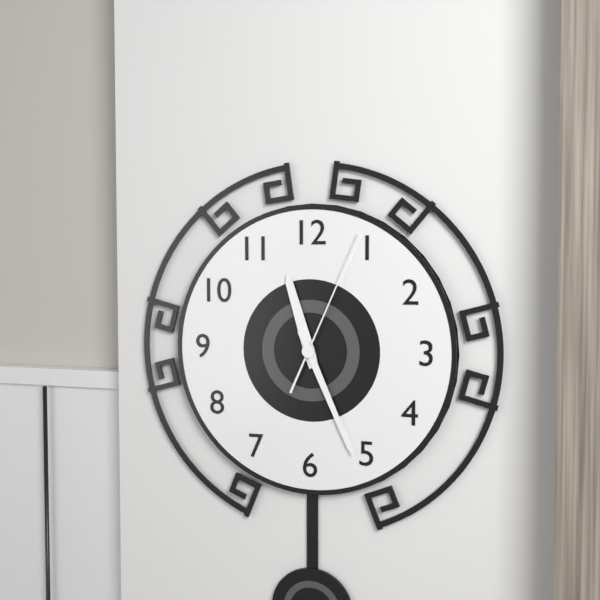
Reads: 11.26.04
